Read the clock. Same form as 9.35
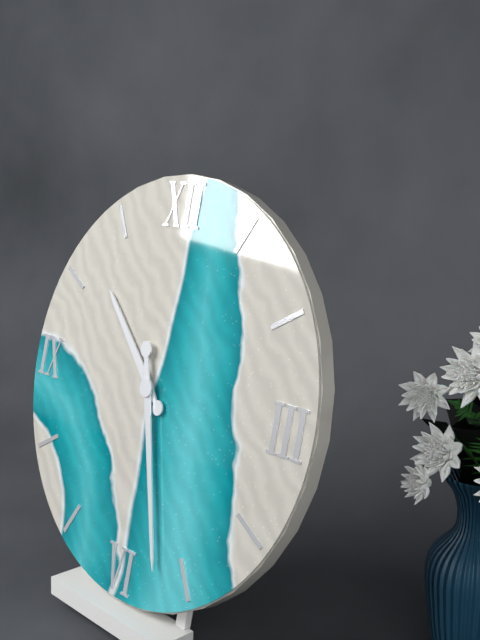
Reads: 10.27
